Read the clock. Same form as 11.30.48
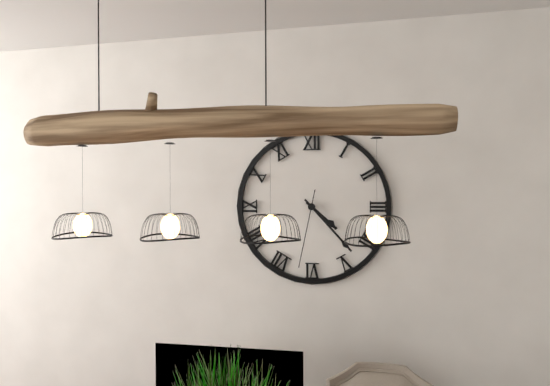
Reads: 4.23.32
